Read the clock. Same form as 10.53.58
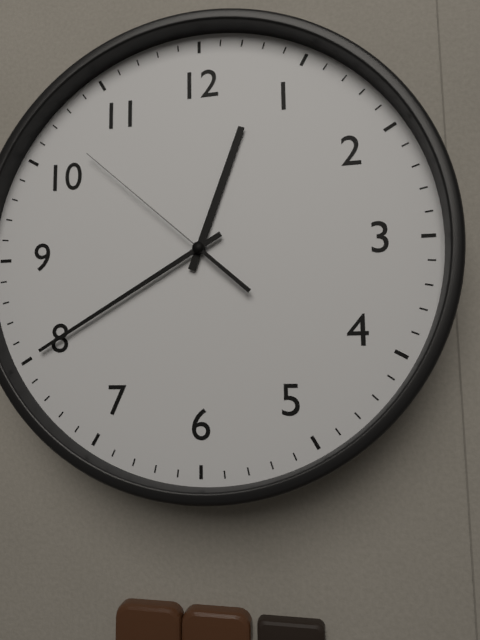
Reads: 12.40.52
